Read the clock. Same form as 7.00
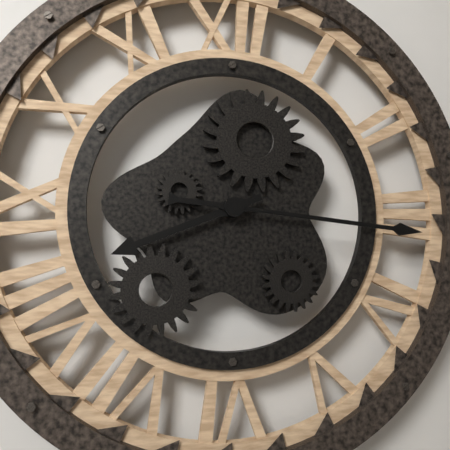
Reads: 8.16
